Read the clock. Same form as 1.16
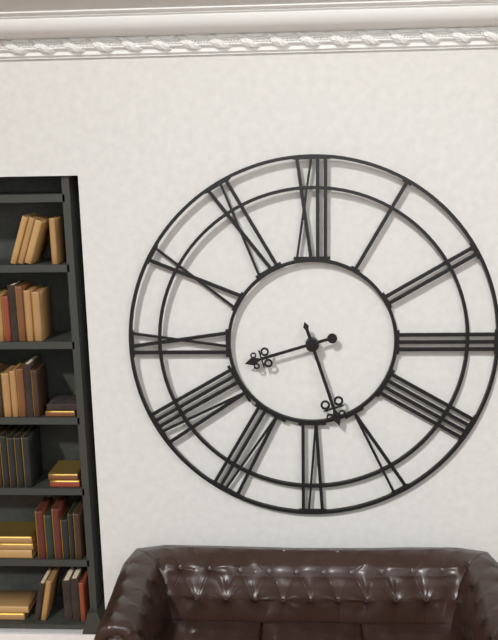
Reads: 8.27
